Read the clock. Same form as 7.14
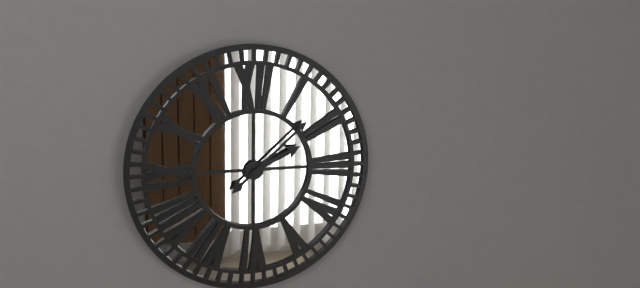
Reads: 2.08
